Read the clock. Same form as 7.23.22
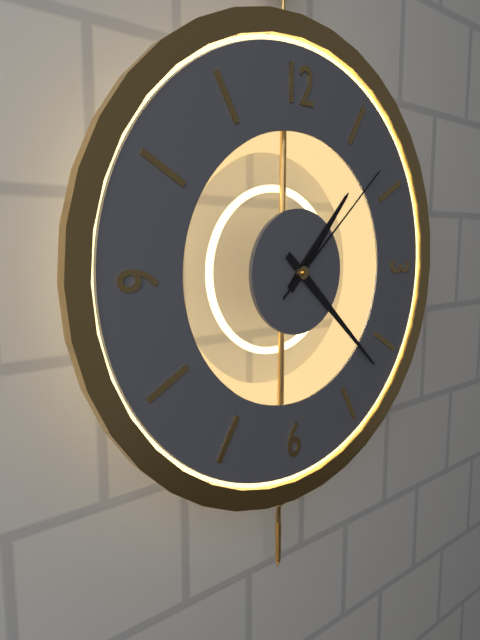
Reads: 1.22.08
